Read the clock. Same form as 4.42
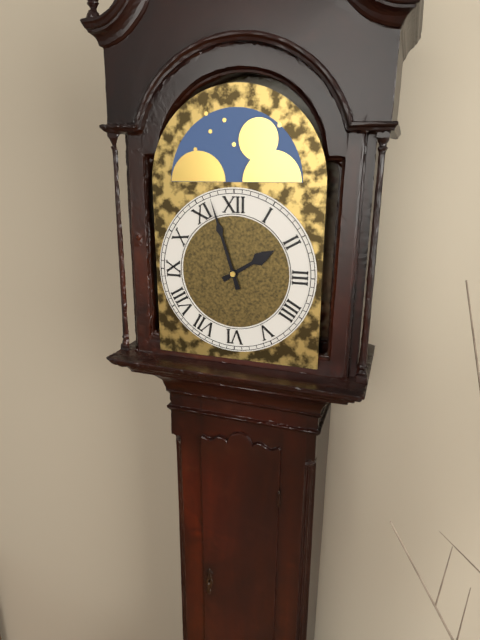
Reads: 1.57
